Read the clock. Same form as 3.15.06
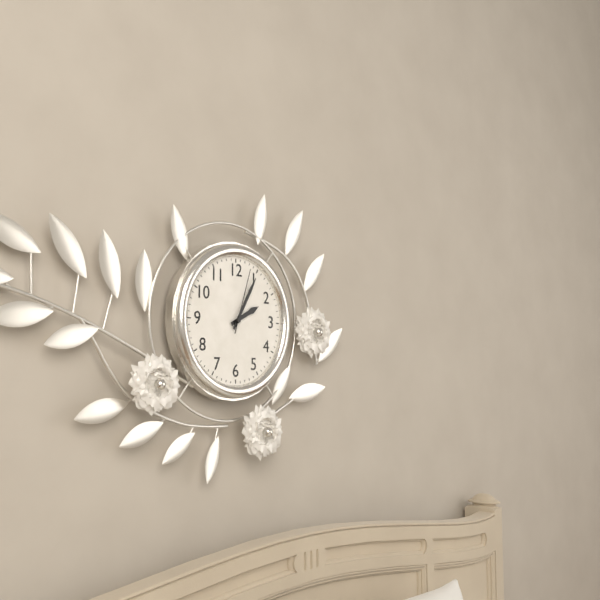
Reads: 2.05.03
